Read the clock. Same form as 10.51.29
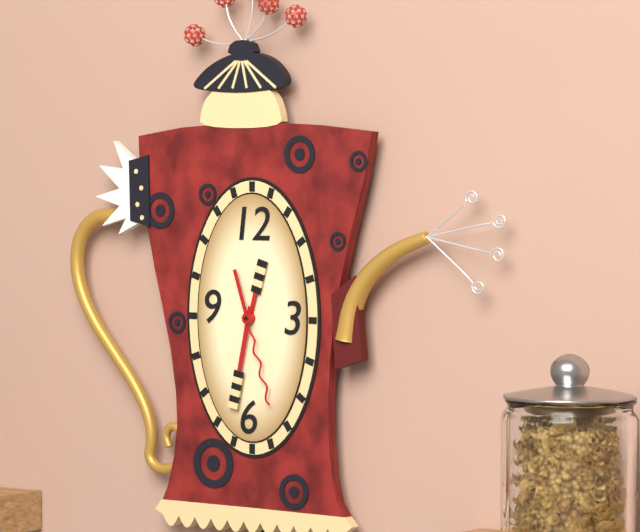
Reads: 12.32.27
